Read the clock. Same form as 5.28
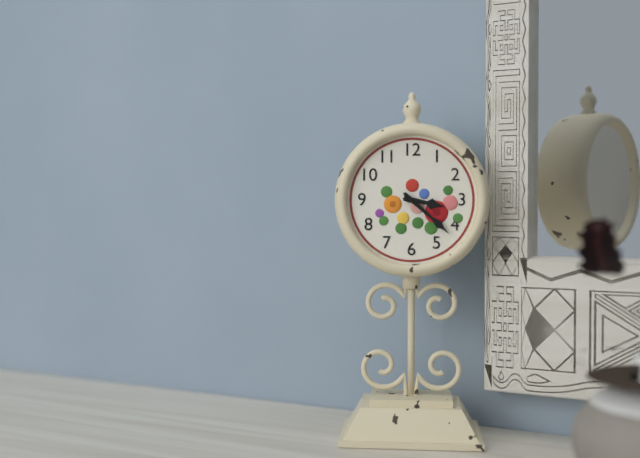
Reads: 3.22
